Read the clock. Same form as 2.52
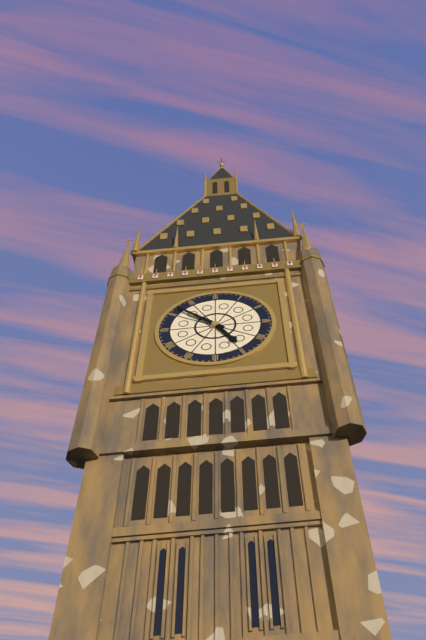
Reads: 4.52
